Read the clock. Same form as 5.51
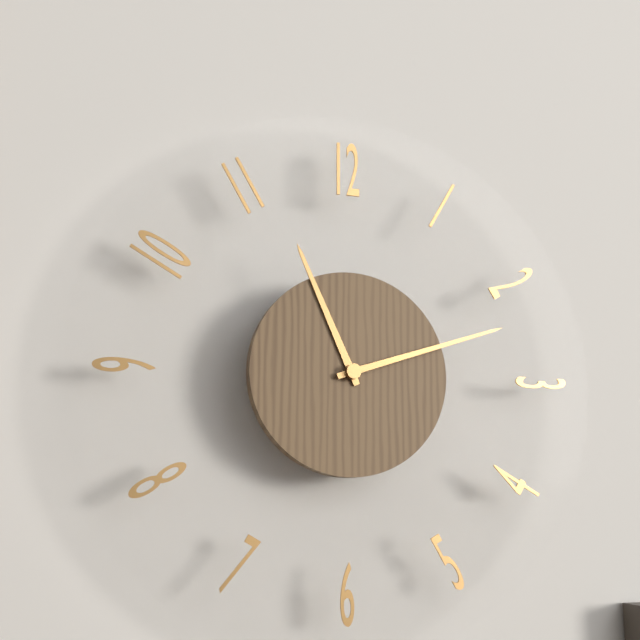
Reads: 11.12
